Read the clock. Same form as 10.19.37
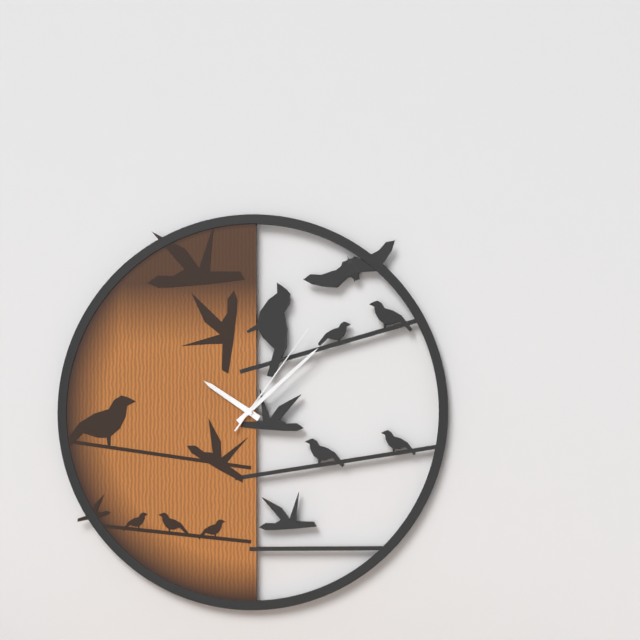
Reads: 10.08.06
